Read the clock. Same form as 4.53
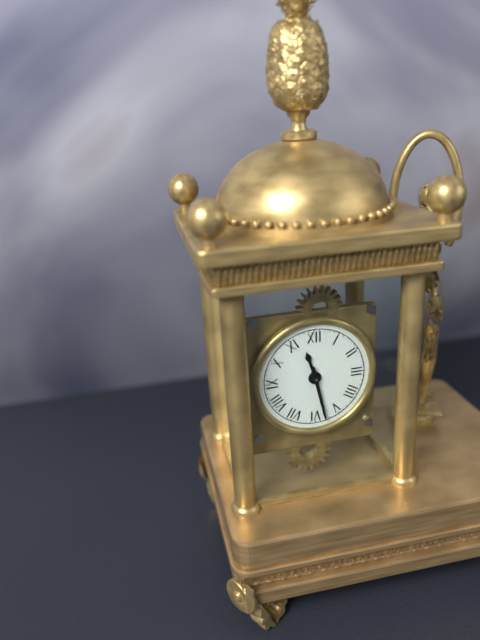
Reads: 11.28
